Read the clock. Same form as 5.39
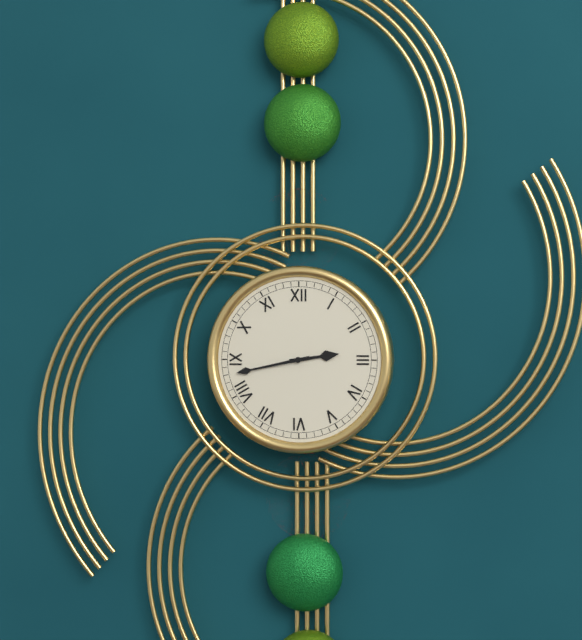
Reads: 2.43
